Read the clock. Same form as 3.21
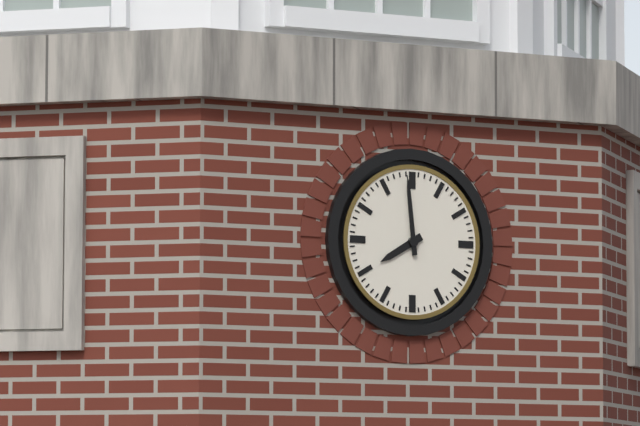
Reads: 7.59
